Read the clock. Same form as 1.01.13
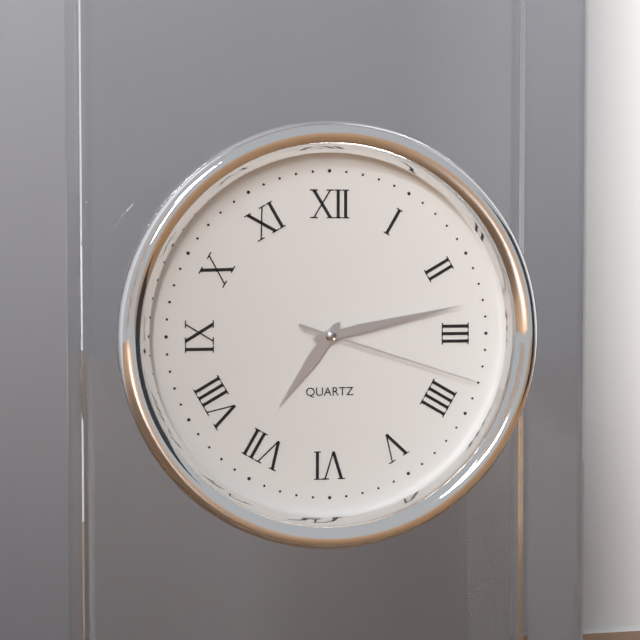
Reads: 7.13.18
